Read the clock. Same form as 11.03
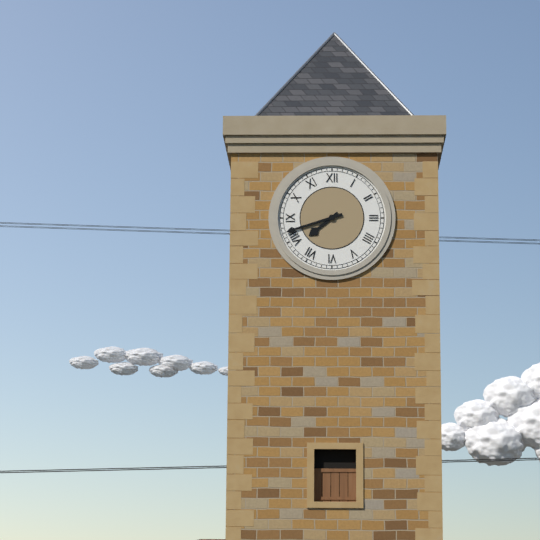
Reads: 7.42
